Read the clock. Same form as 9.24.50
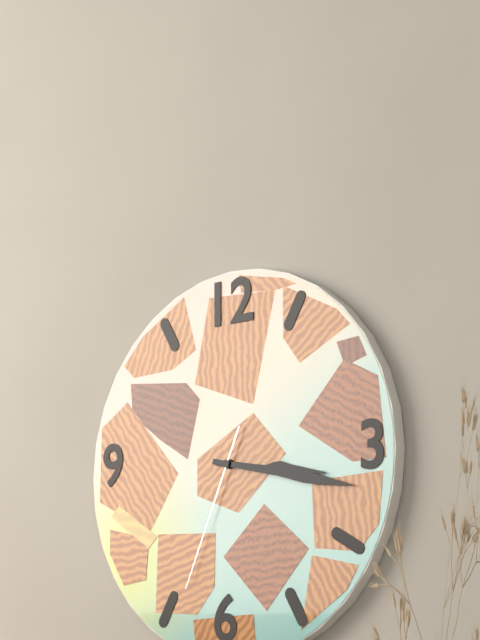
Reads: 3.17.34
